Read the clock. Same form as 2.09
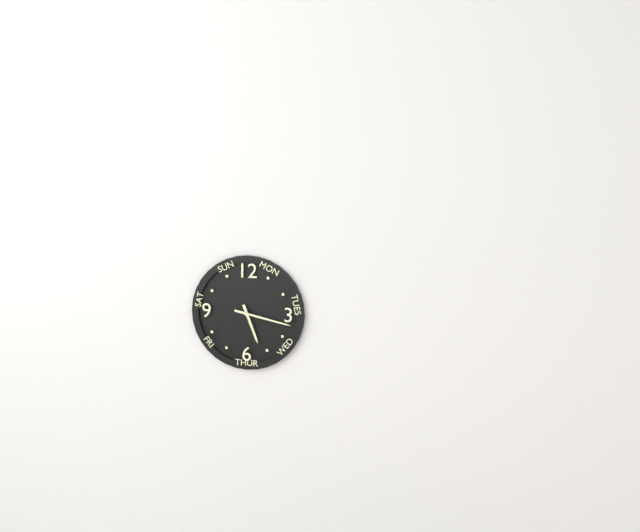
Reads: 5.17
